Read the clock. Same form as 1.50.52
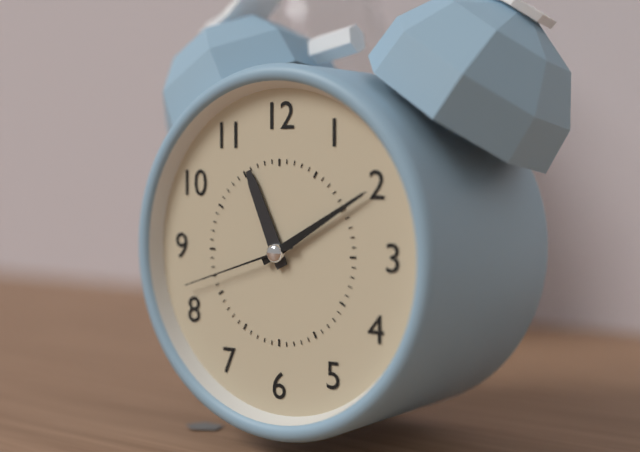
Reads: 11.10.42
